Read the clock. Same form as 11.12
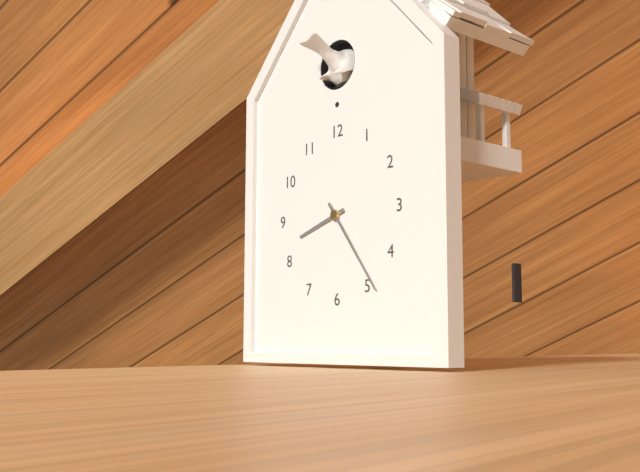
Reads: 8.24
